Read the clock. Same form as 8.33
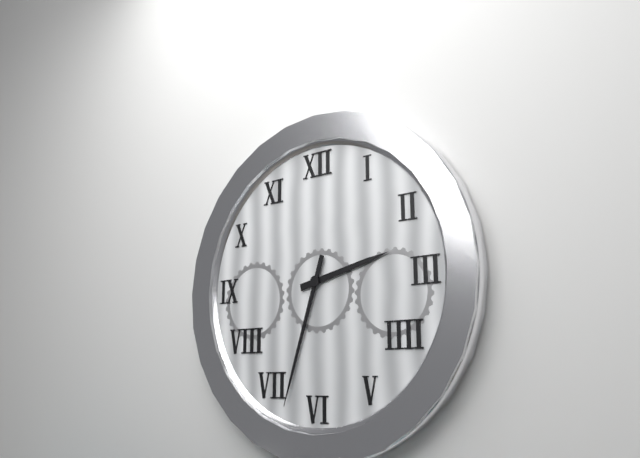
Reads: 2.33
